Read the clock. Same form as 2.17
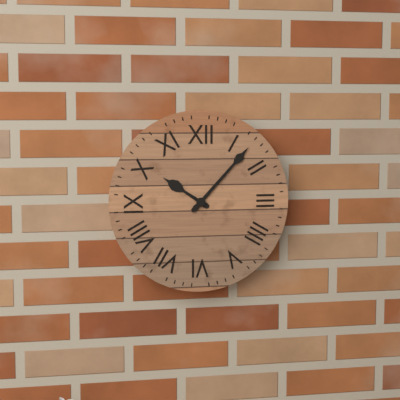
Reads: 10.07
